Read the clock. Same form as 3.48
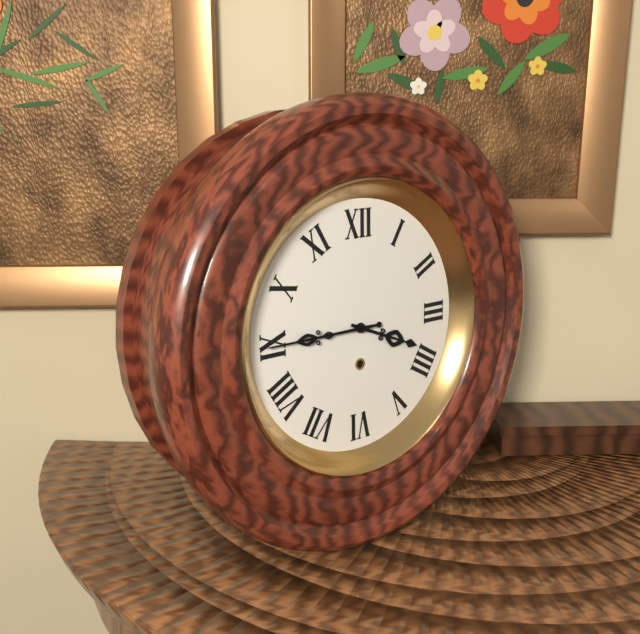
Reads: 3.45
